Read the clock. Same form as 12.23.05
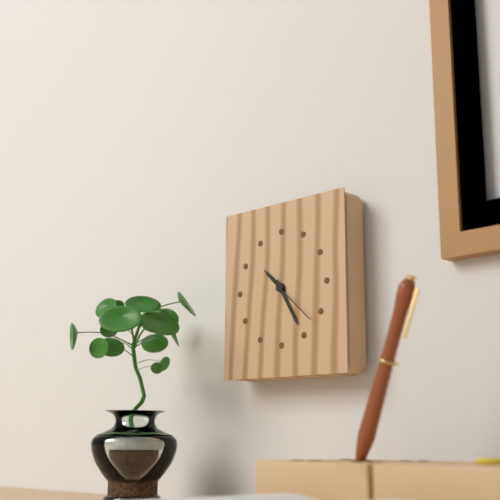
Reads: 10.25.22
